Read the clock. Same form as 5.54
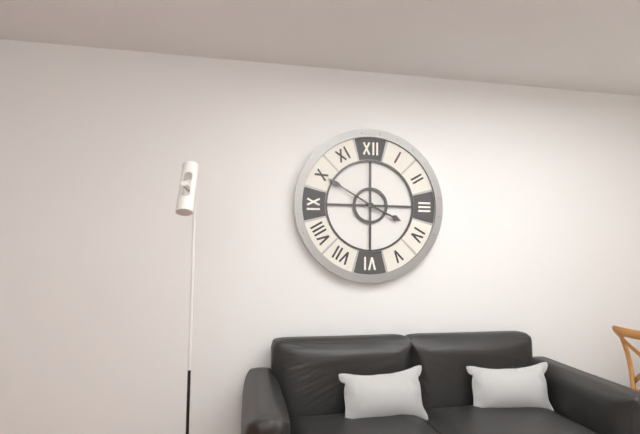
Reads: 3.50
